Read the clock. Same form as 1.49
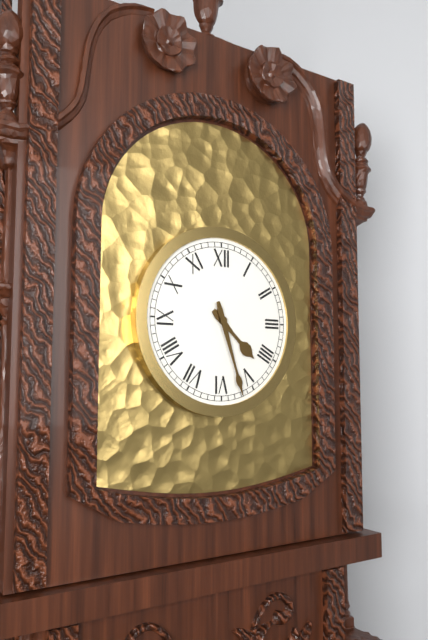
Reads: 4.27
